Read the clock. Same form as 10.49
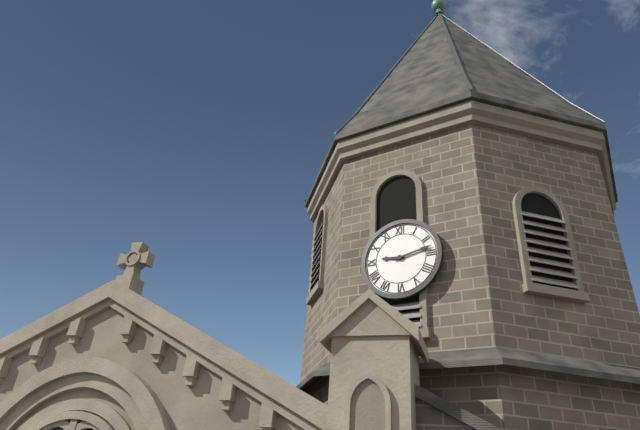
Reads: 9.13
